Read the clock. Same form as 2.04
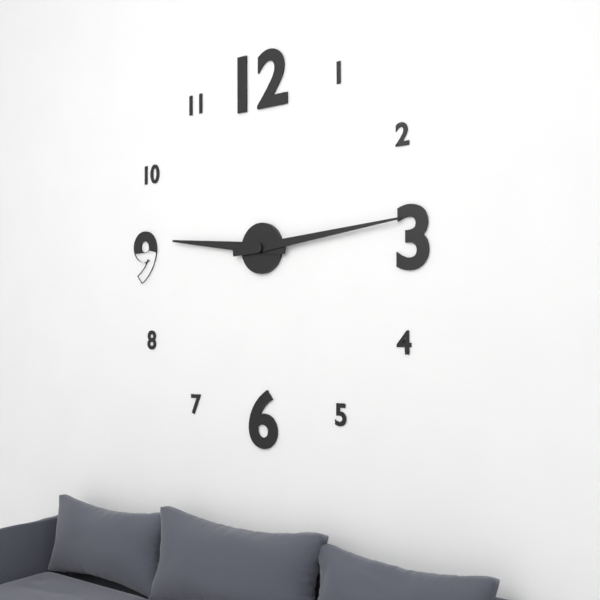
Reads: 9.14
